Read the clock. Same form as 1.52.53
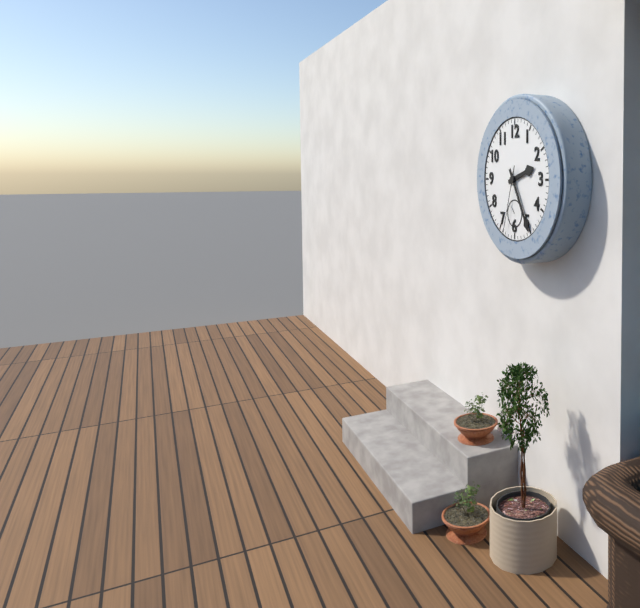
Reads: 2.25.33
